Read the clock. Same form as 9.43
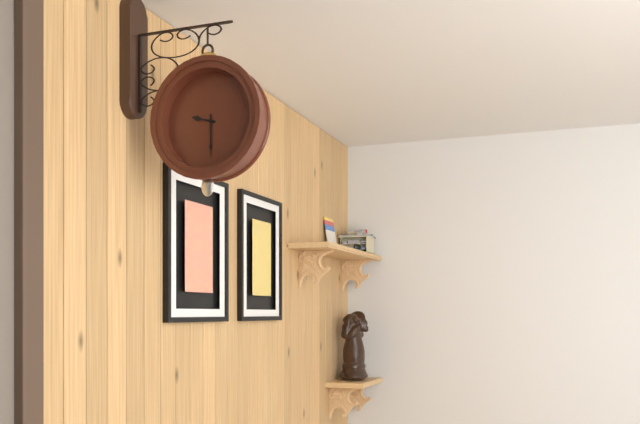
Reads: 9.30
